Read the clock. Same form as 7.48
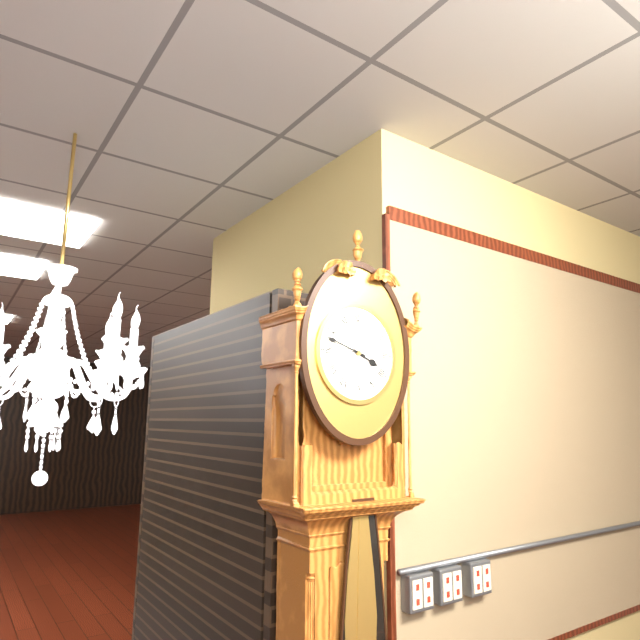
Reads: 3.48
